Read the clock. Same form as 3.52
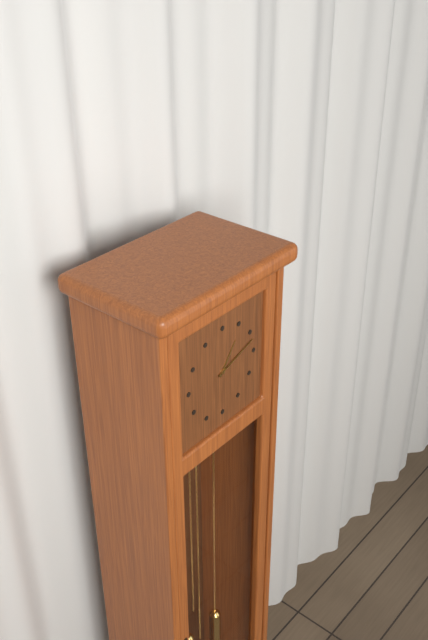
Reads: 1.12
